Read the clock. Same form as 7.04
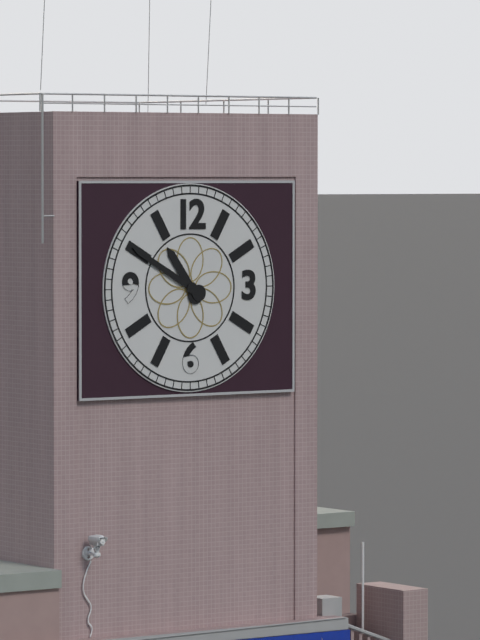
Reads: 10.50
